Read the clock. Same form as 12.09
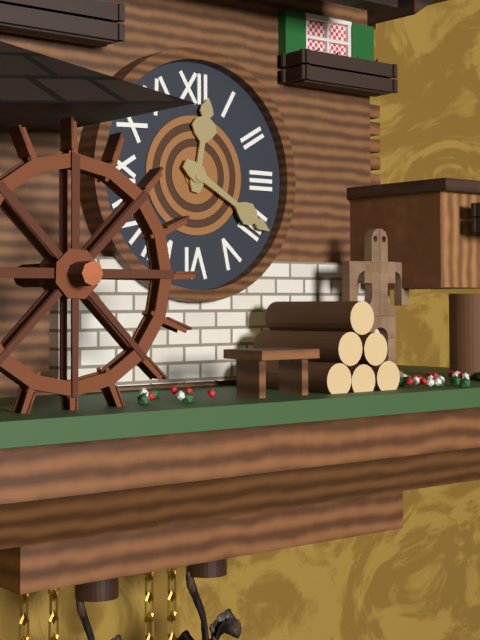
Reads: 12.20
